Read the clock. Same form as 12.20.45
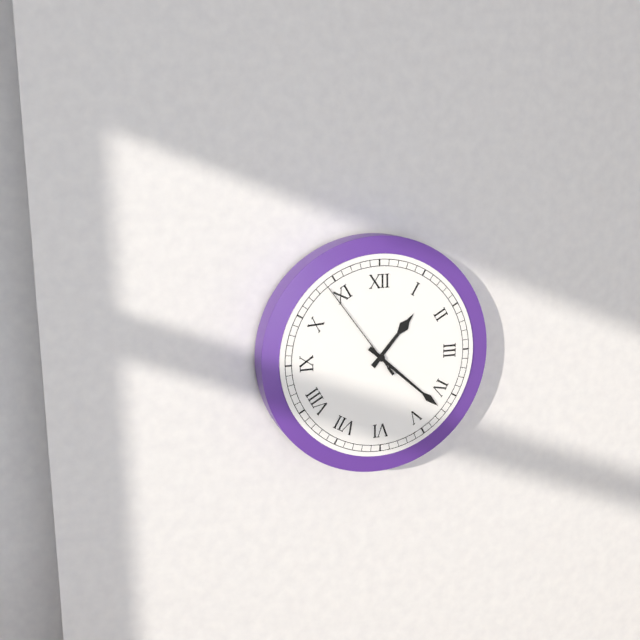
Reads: 1.22.54
